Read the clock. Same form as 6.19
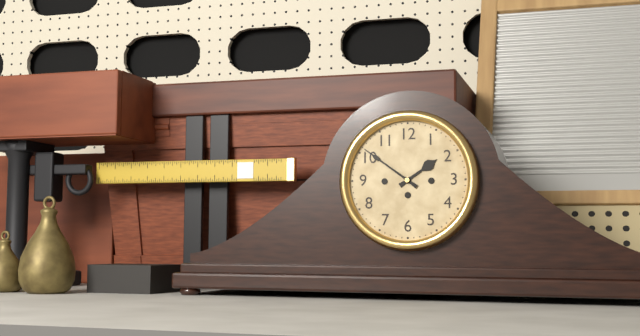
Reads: 1.51
